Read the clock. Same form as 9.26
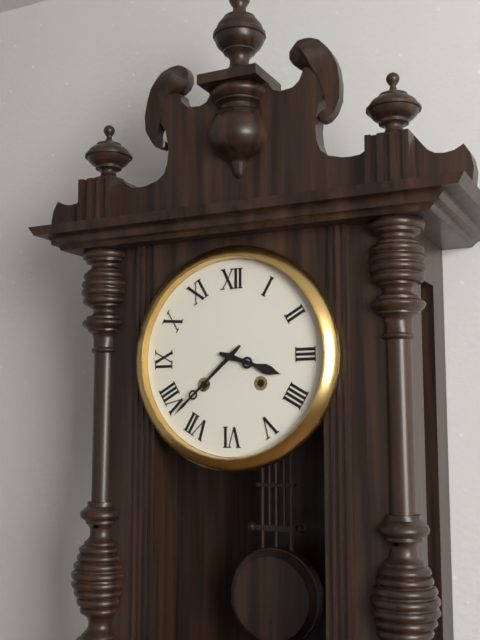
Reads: 3.38
